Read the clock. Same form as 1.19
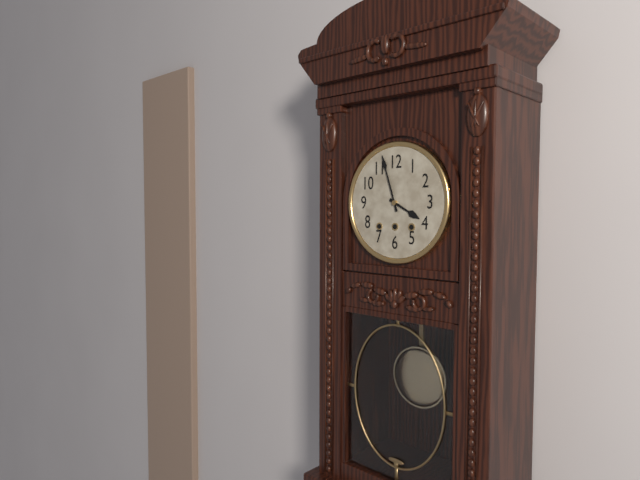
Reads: 3.57
